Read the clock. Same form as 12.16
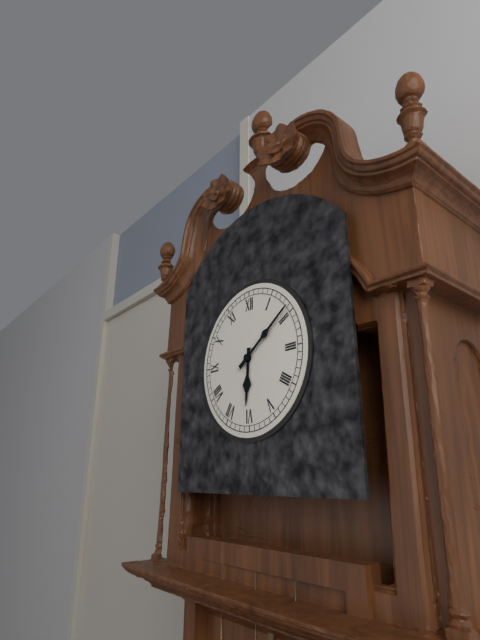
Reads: 6.09
